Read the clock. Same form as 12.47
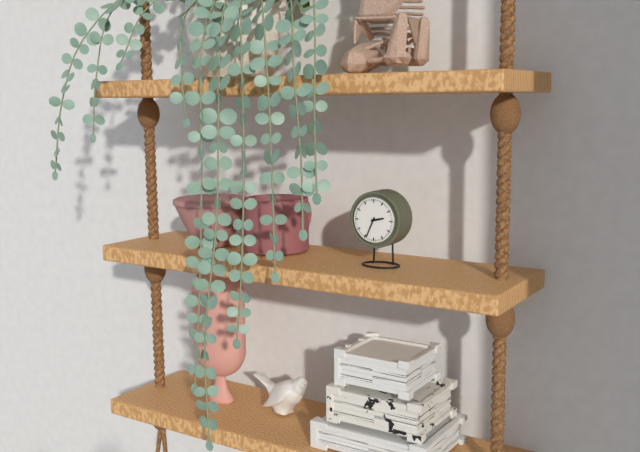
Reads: 2.34
